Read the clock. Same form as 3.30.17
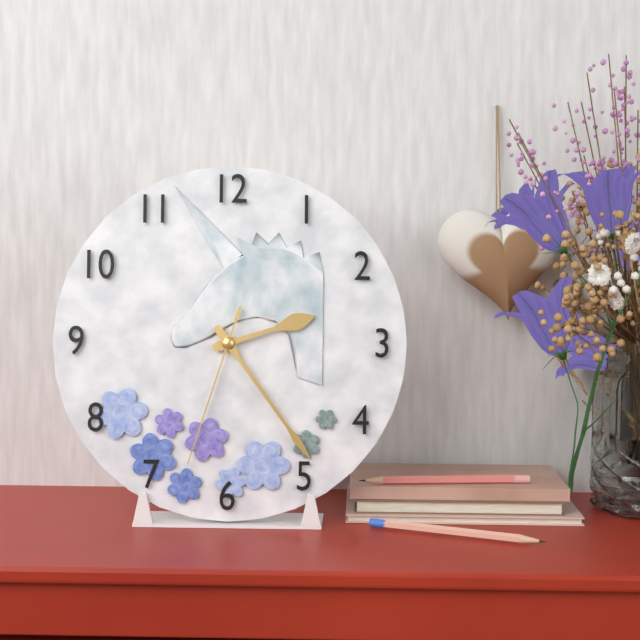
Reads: 2.24.33
